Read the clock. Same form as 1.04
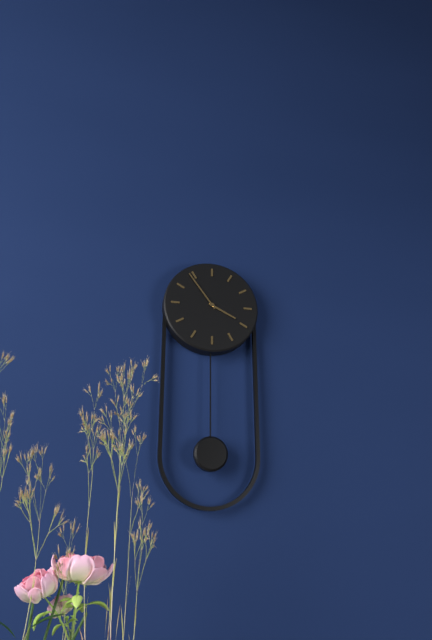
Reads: 3.54
